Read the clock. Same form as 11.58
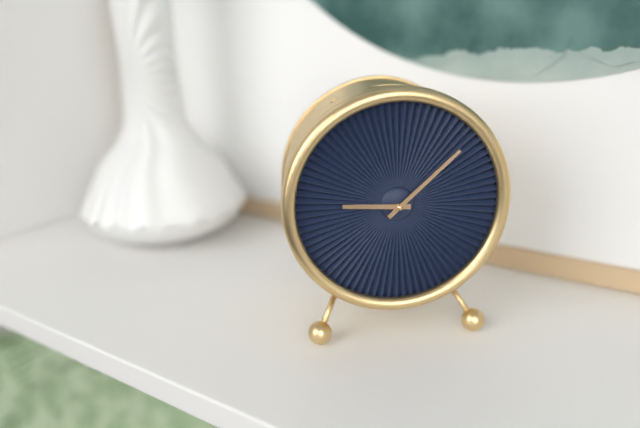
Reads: 9.08
